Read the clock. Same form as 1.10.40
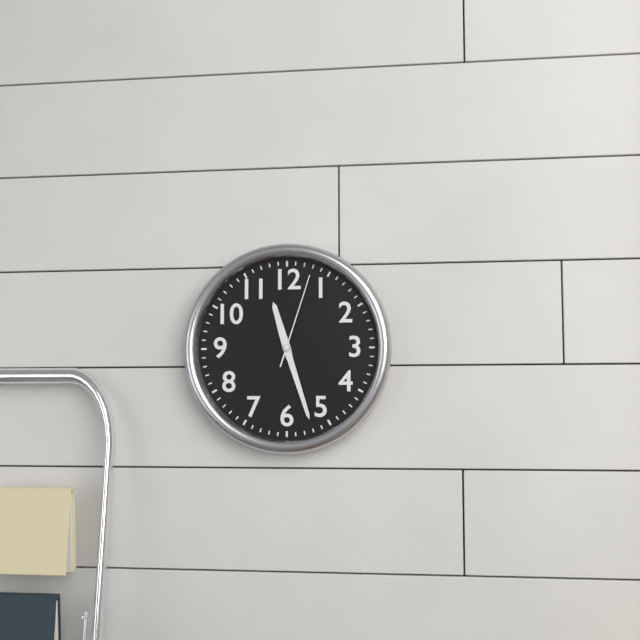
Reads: 11.27.03
